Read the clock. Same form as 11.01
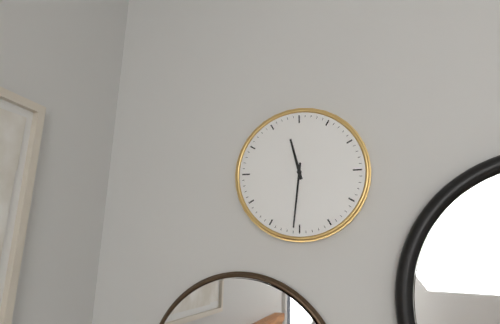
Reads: 11.31
